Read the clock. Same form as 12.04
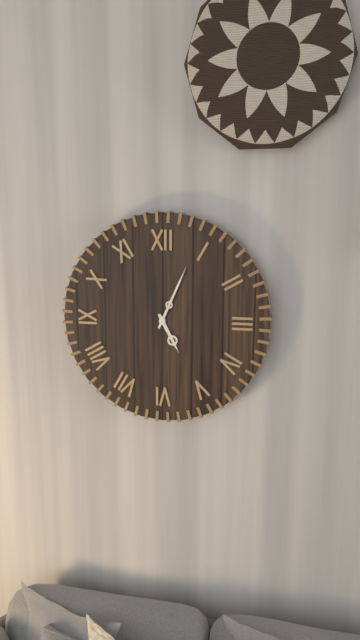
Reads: 5.04
